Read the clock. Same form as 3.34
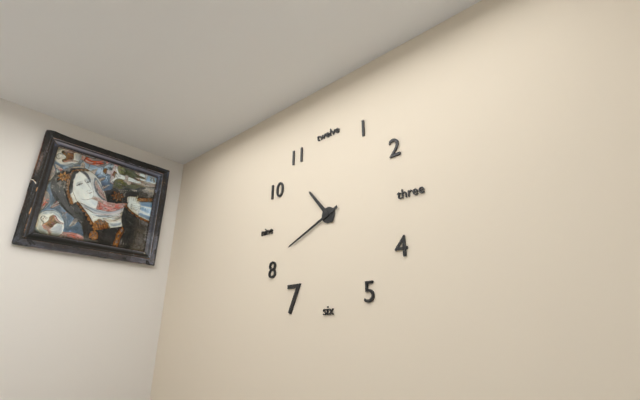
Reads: 10.41
